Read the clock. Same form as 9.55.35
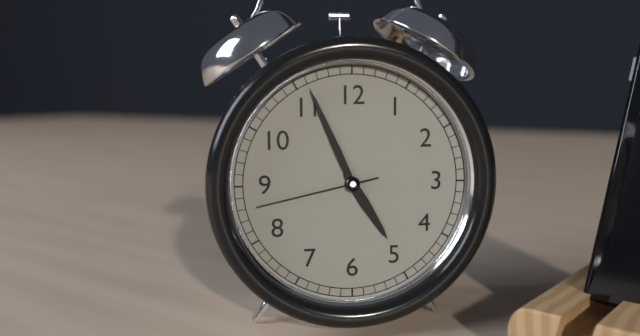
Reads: 4.56.43
